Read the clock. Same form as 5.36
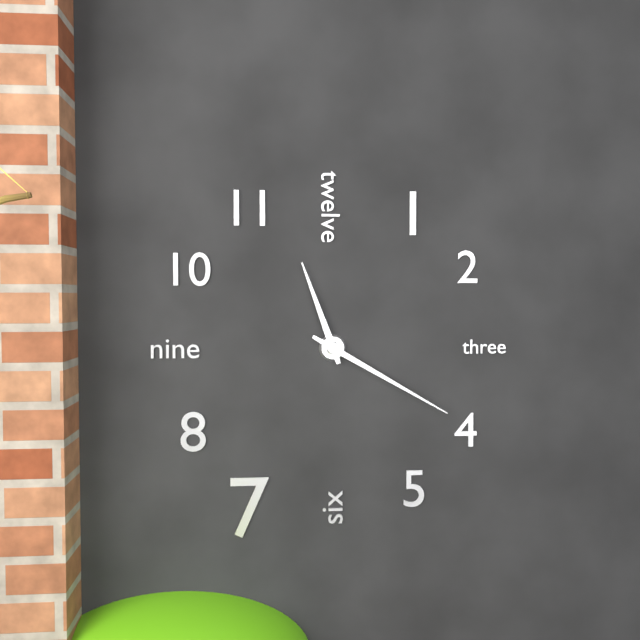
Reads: 11.20
